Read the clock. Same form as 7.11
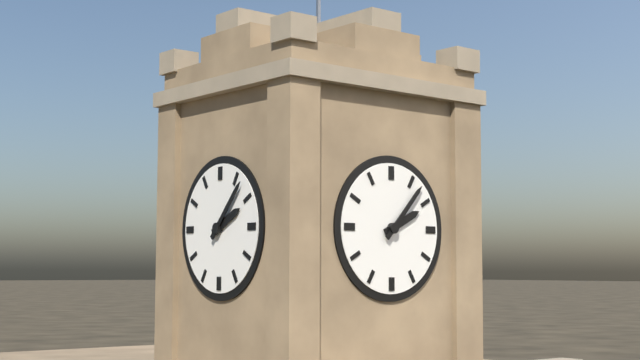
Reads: 2.07
